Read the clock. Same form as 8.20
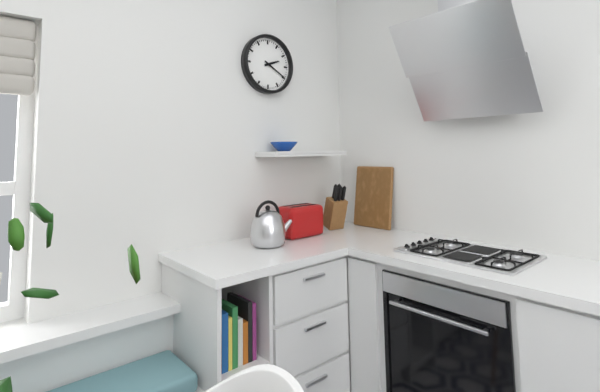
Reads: 2.20
